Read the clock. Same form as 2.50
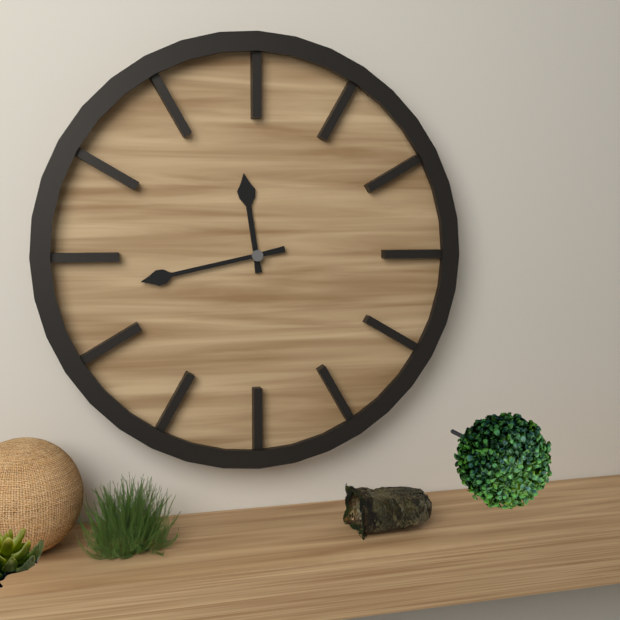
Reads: 11.43
